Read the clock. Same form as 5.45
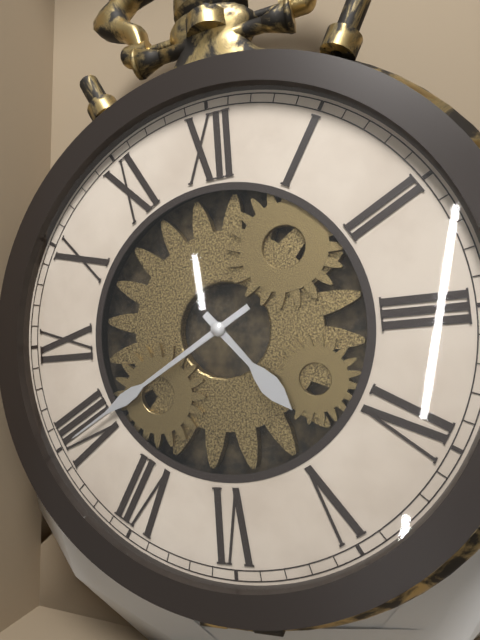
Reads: 4.40
